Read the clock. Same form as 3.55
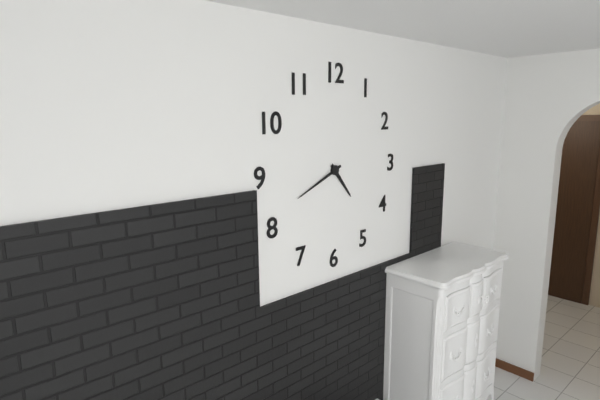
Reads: 4.41
